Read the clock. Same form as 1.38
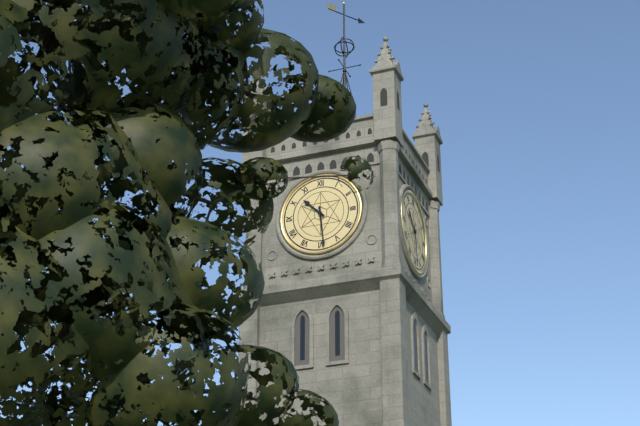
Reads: 10.29
